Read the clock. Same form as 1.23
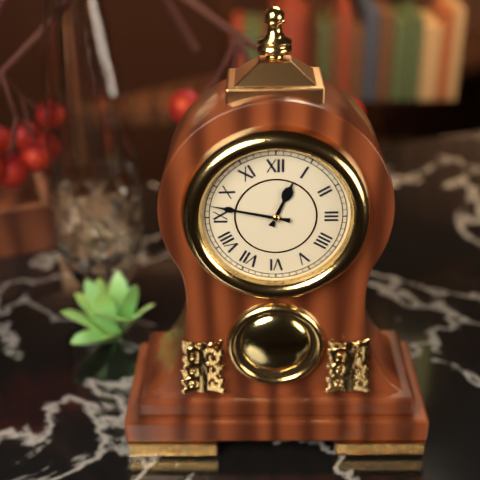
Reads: 12.47
